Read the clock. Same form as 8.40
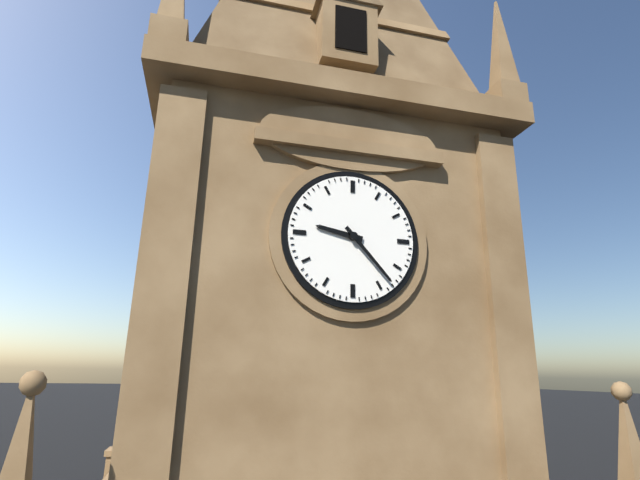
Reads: 9.23
